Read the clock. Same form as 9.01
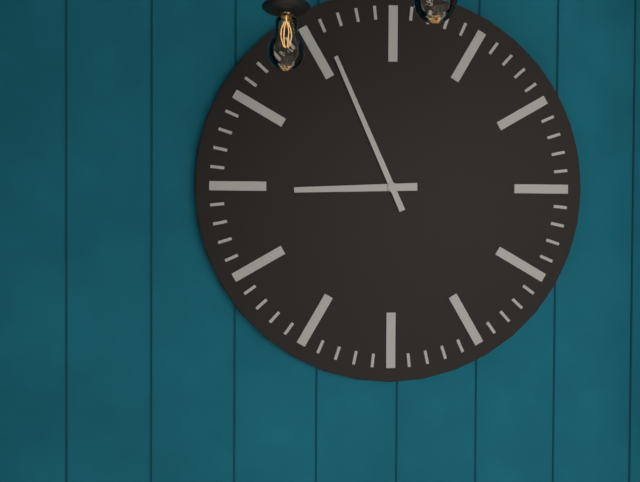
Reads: 8.56
